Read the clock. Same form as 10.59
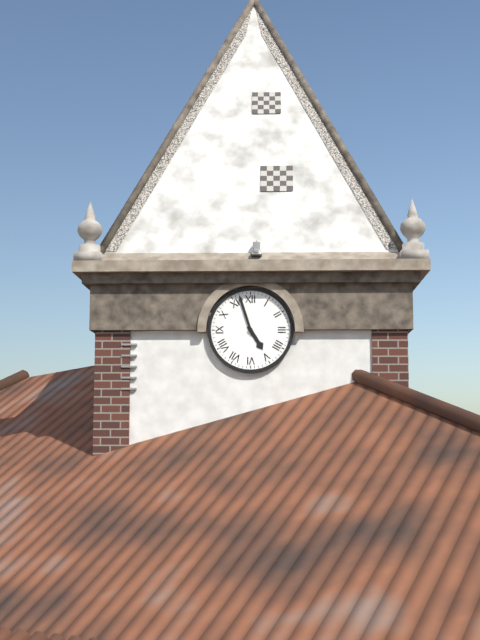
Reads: 4.57
